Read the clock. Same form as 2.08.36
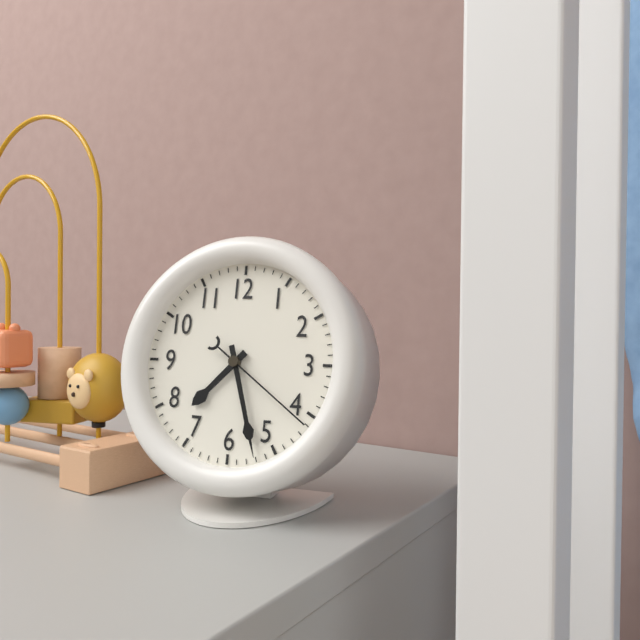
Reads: 7.27.21
